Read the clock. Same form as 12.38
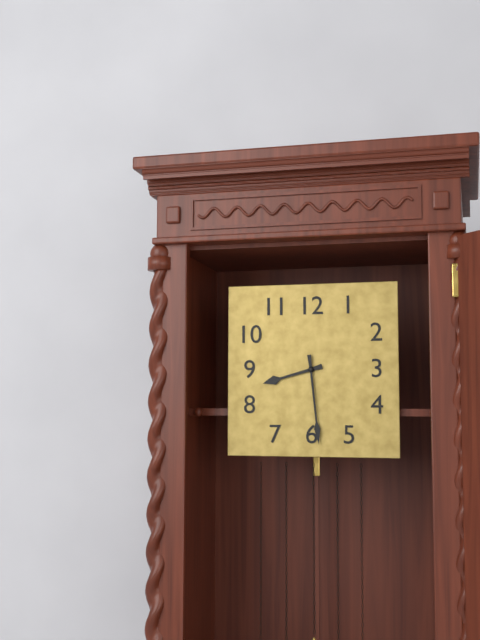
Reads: 8.29
